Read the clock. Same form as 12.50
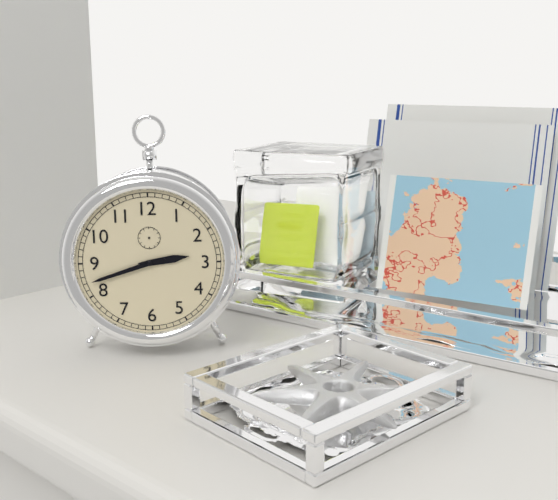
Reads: 2.42
